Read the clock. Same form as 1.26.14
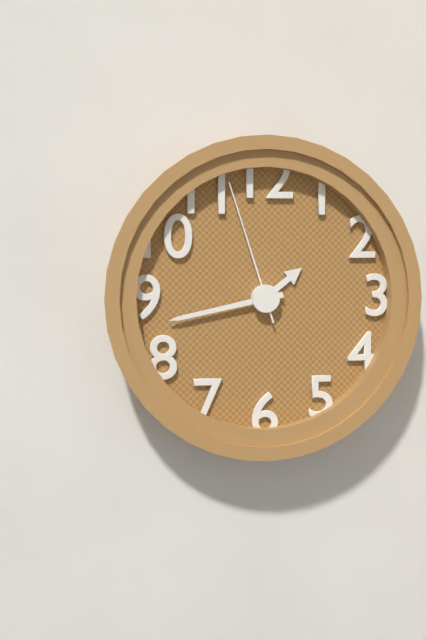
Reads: 1.43.57
